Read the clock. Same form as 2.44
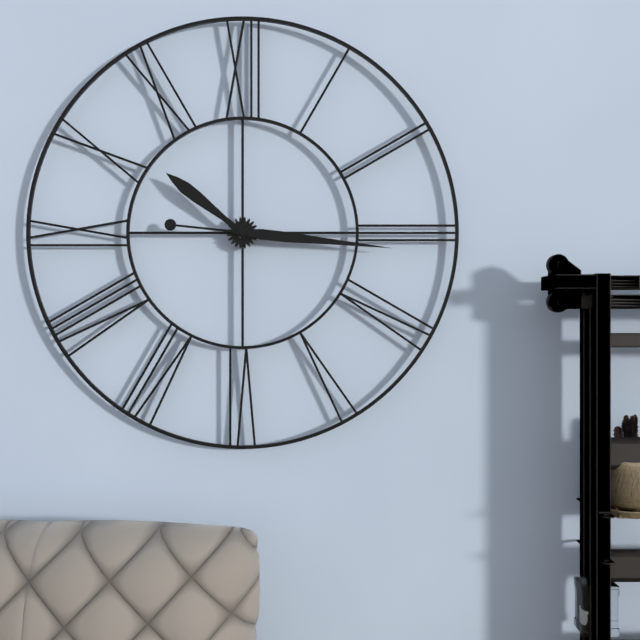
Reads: 10.16
